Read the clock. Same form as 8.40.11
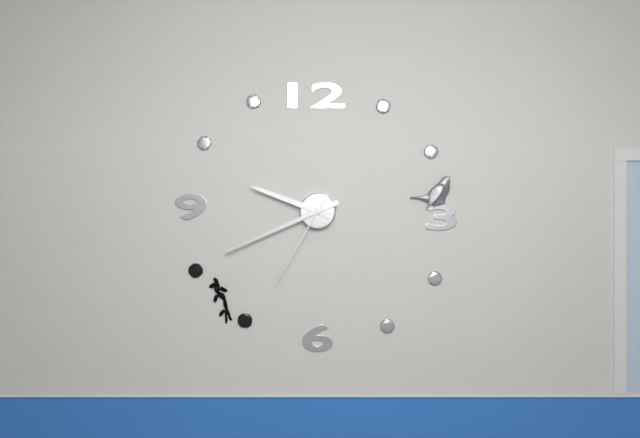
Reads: 9.41.35
